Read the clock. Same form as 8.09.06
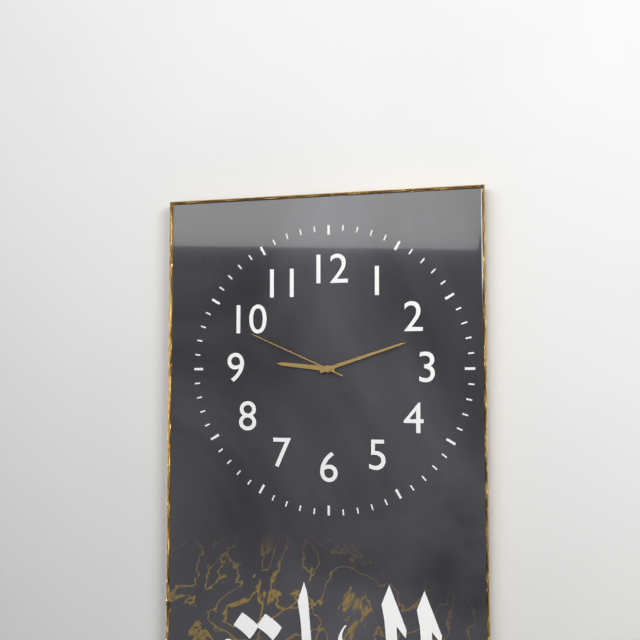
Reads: 9.12.49
